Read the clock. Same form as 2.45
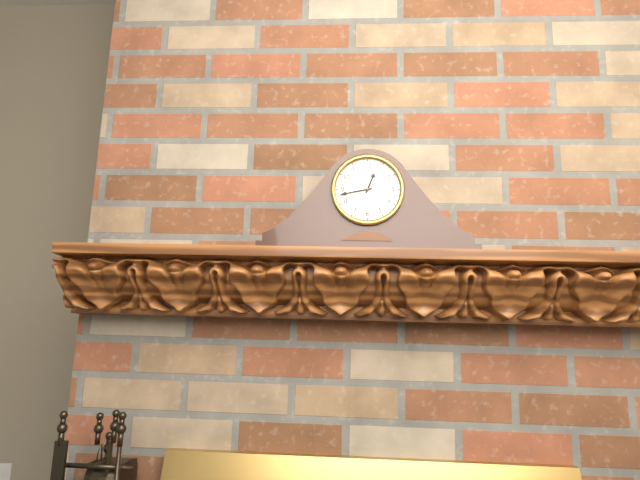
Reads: 12.43
